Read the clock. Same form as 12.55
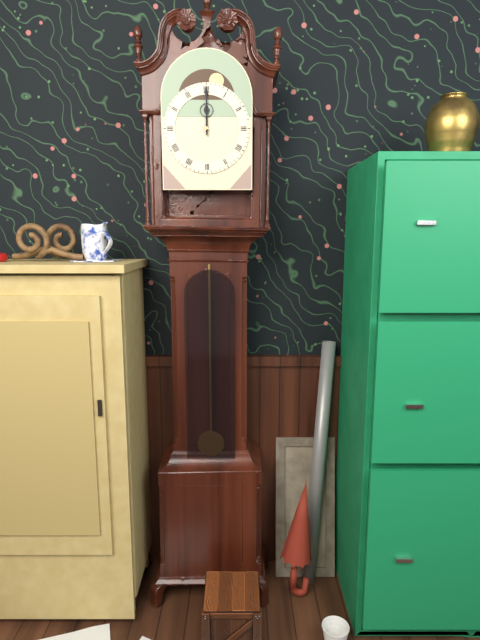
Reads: 12.00
